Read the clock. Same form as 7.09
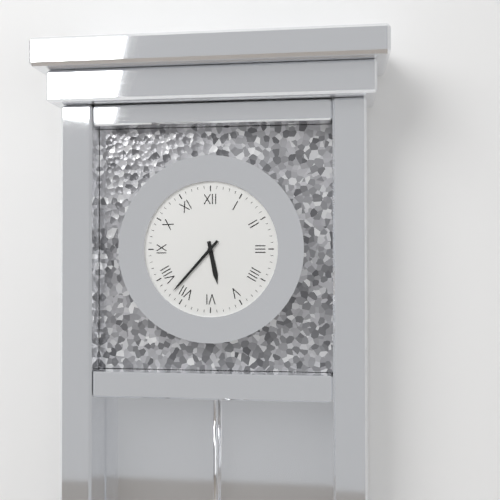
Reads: 5.37
